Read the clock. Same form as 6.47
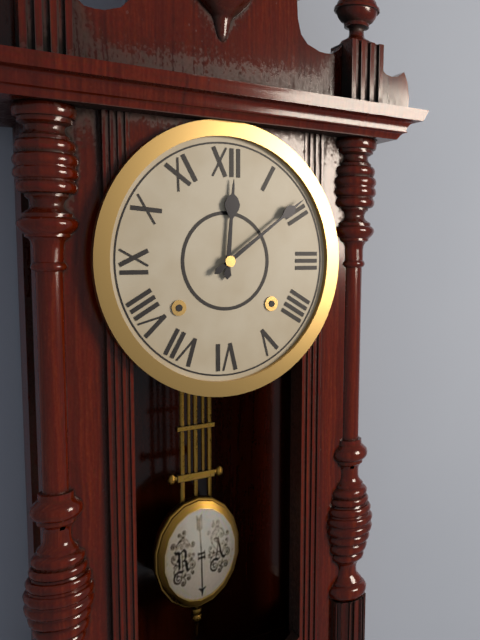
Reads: 12.09
